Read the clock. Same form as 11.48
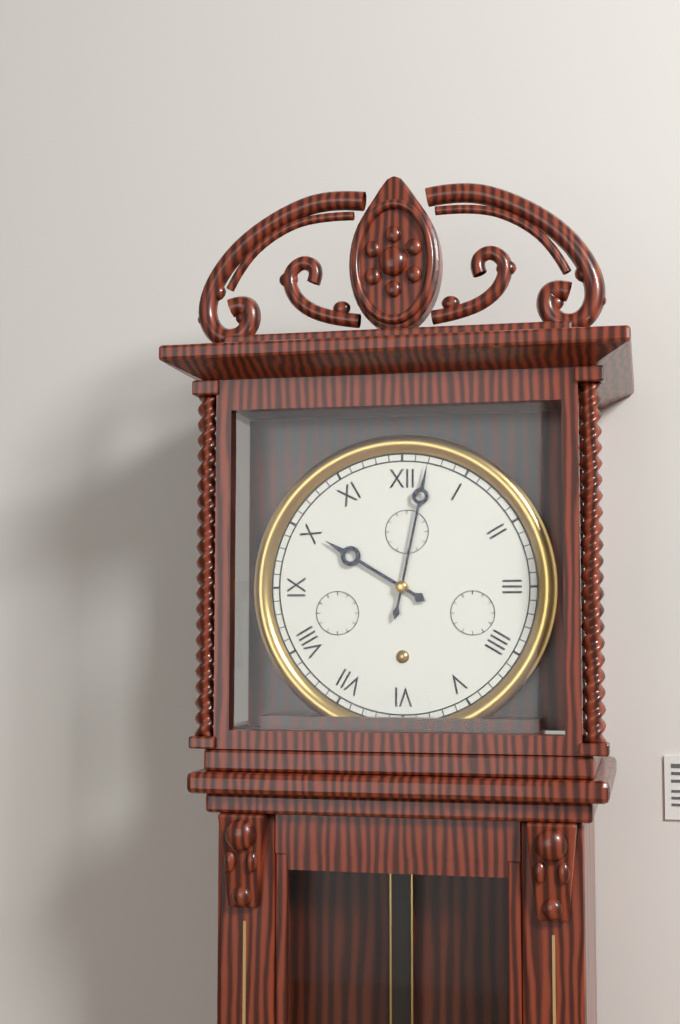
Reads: 10.02
